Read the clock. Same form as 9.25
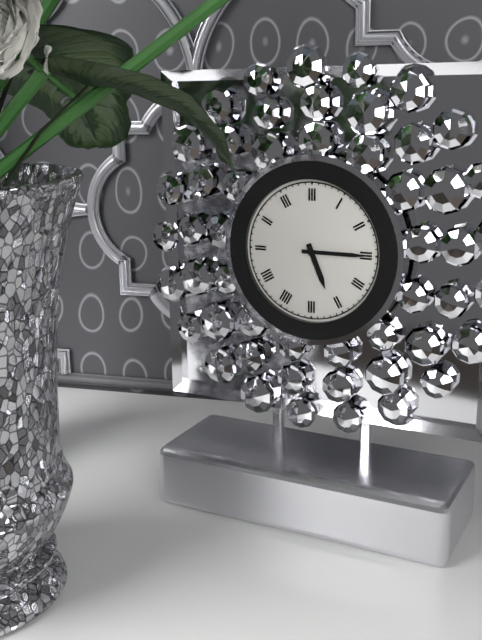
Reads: 5.15
